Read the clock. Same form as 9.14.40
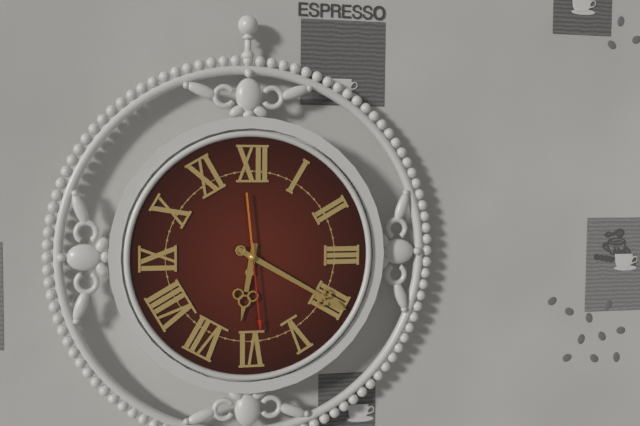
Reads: 6.20.29
